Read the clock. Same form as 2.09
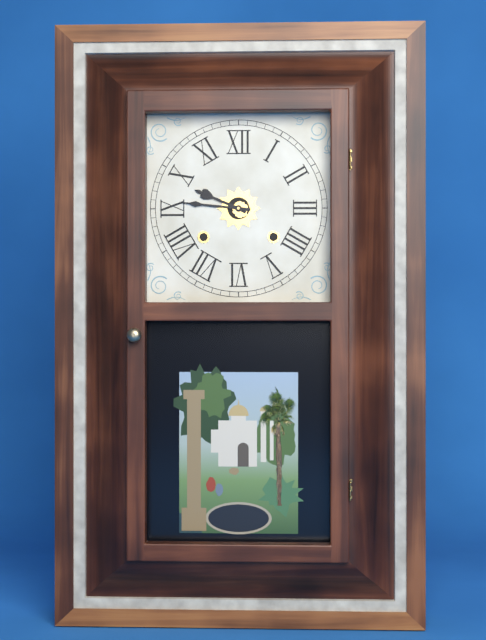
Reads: 9.46
